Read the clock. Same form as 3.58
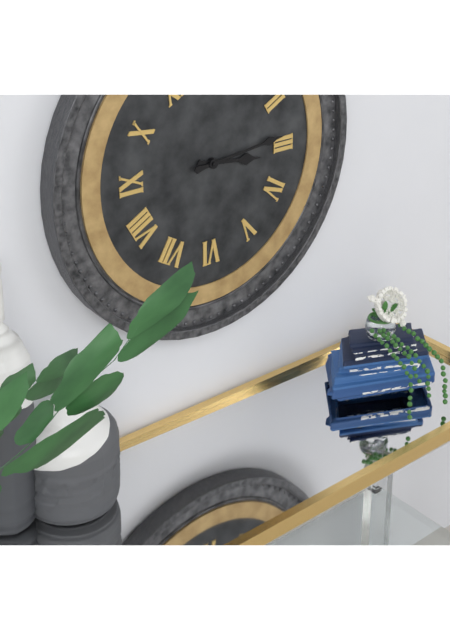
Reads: 3.14
